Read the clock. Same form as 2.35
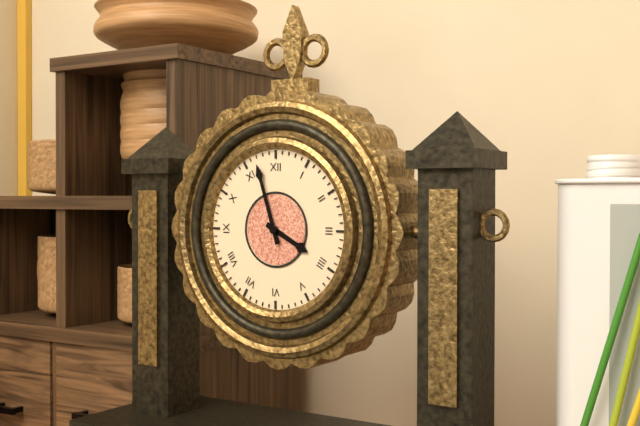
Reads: 3.57
